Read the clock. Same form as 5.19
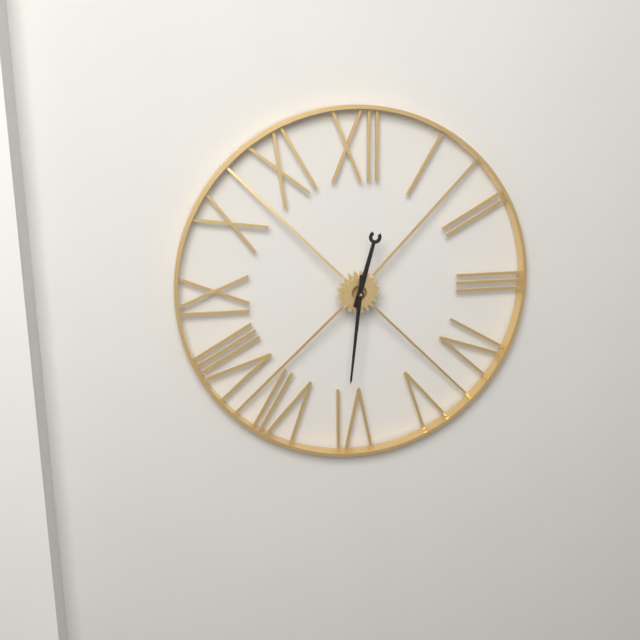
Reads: 12.31
